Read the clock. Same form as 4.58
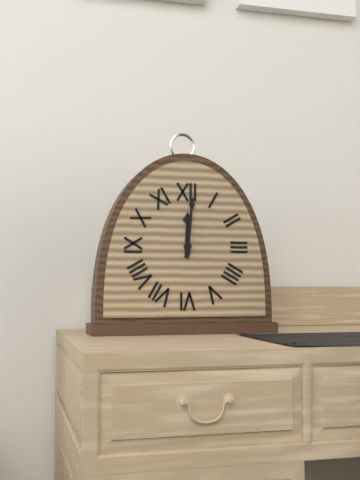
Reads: 12.01
